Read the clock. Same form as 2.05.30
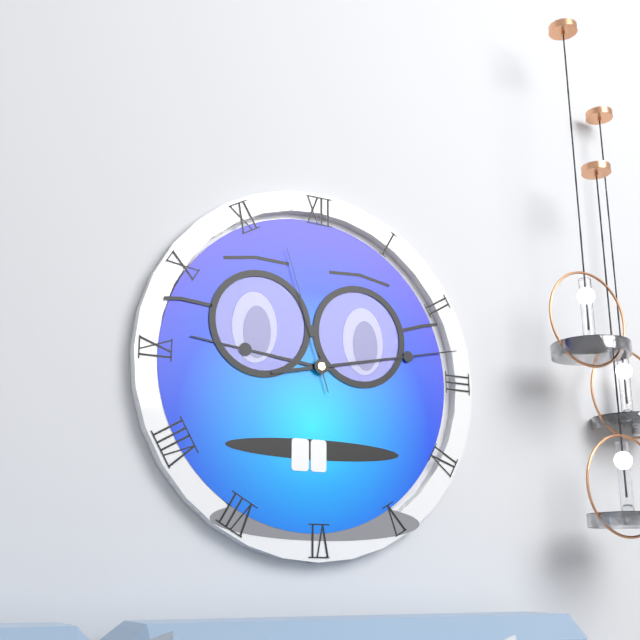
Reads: 9.13.57
